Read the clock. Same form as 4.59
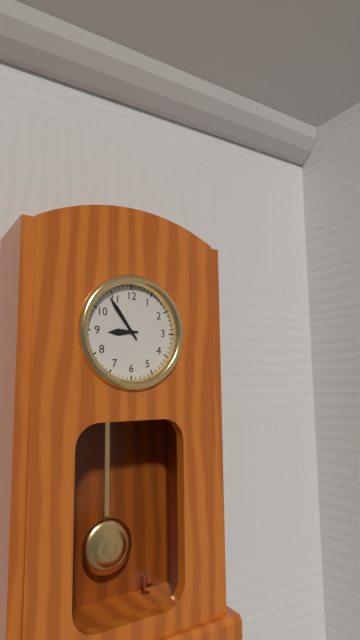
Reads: 8.54
